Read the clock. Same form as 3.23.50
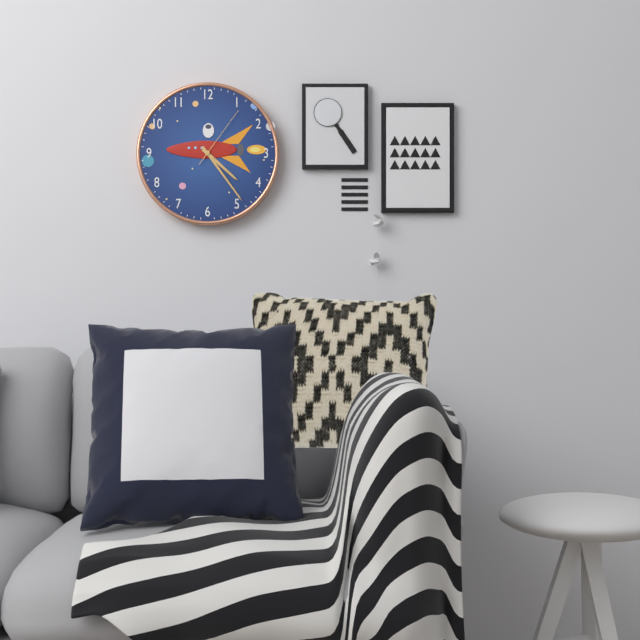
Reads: 4.24.06
